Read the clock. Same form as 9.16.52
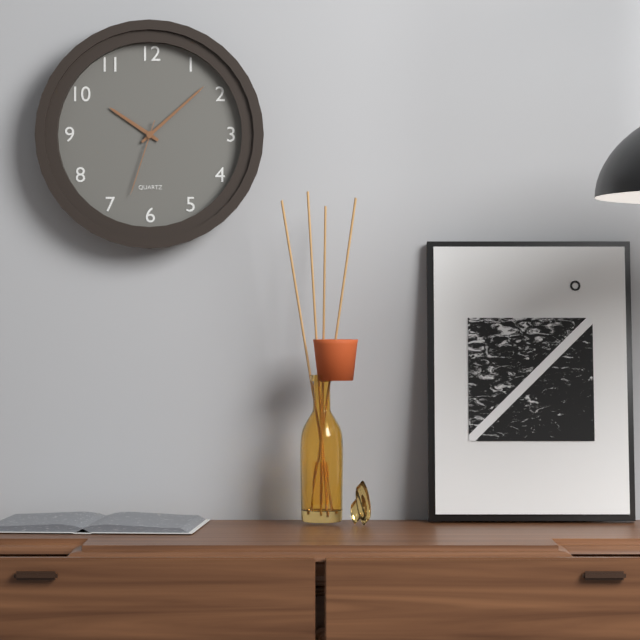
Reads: 10.08.33
